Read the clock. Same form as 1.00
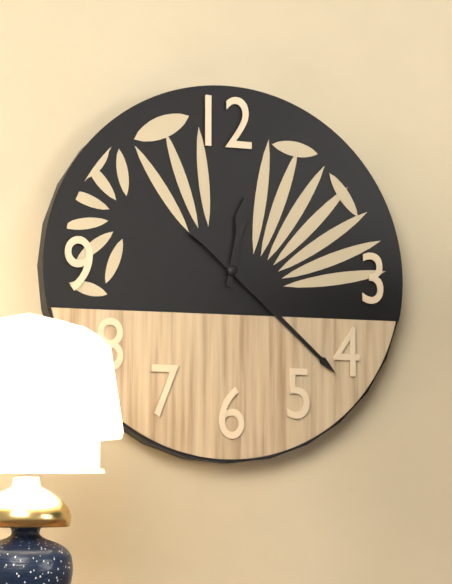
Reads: 12.22
